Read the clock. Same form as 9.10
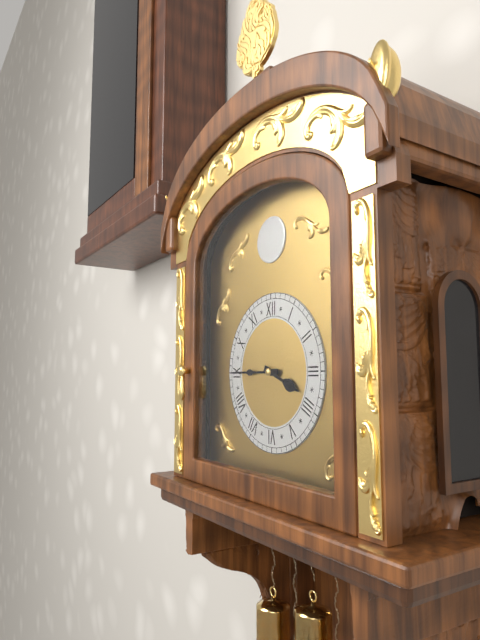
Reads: 3.45
